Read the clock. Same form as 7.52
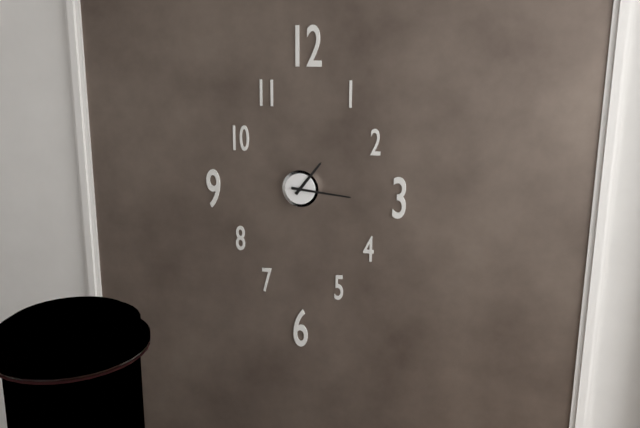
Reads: 1.16
